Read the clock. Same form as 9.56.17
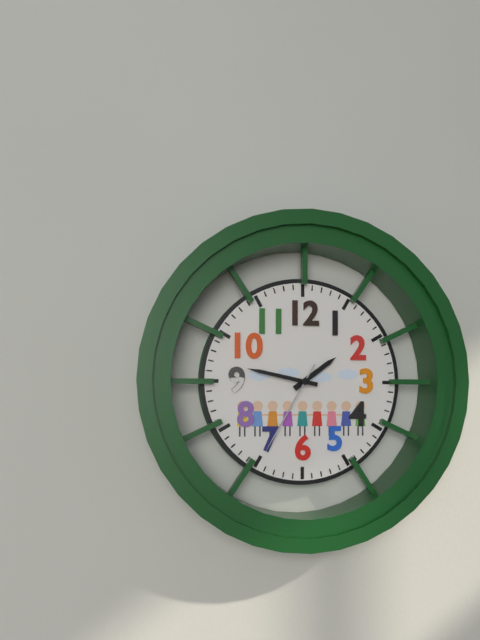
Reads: 1.47.35
